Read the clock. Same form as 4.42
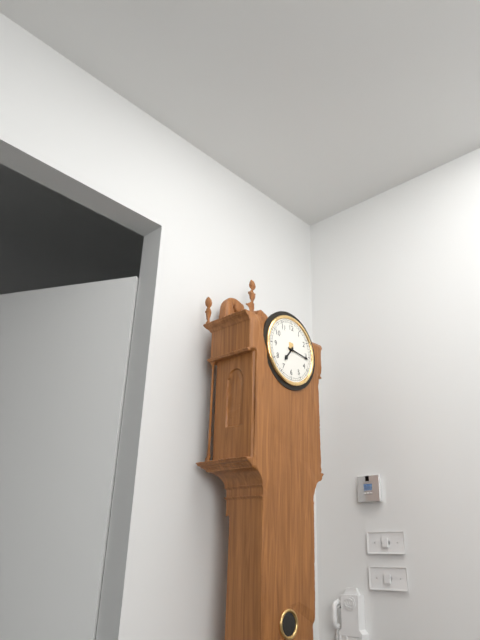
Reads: 7.16
